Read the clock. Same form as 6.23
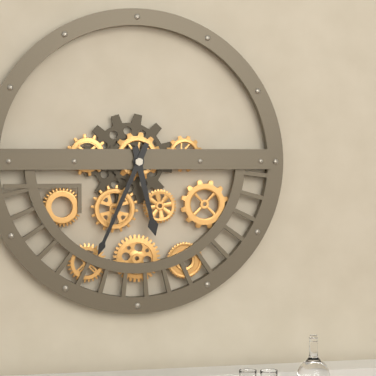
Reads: 5.34
